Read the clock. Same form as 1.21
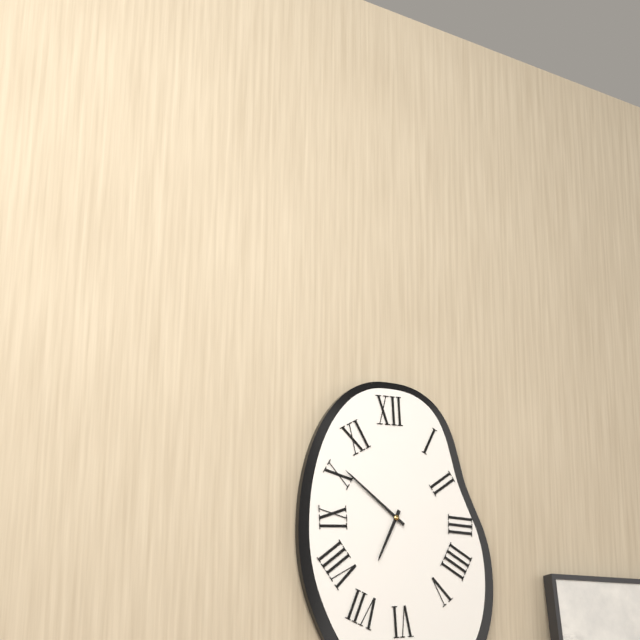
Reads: 6.51
